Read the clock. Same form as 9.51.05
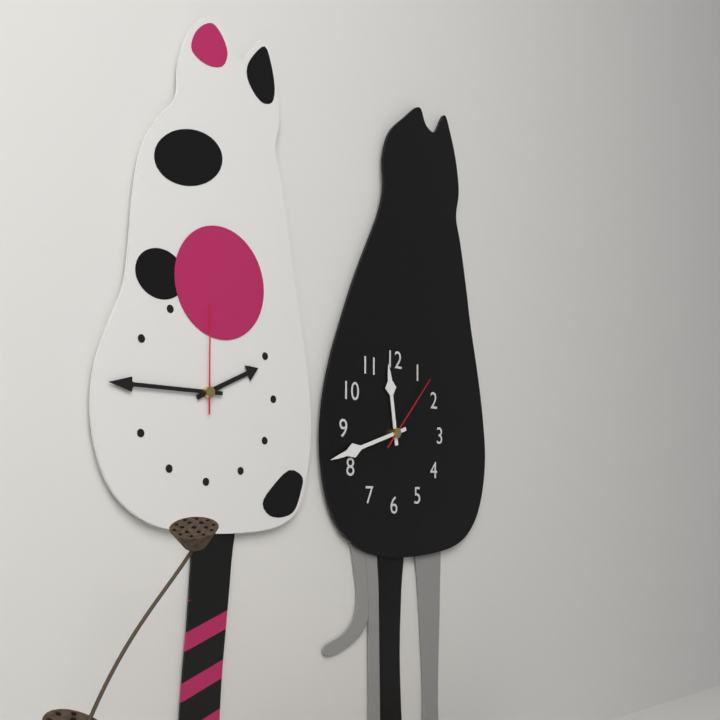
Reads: 11.42.07
